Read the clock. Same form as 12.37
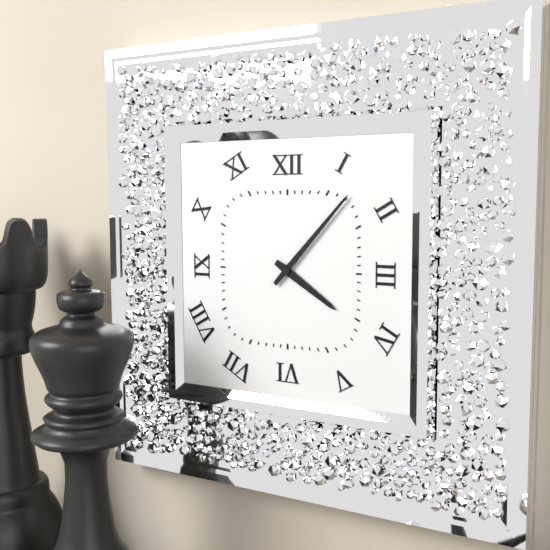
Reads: 4.07
